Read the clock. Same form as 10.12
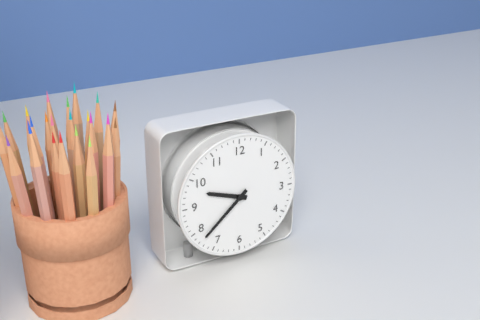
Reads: 9.38
